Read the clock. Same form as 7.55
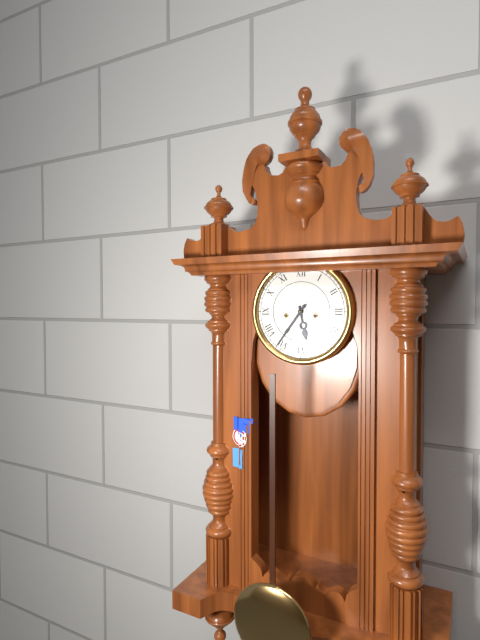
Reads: 5.36
